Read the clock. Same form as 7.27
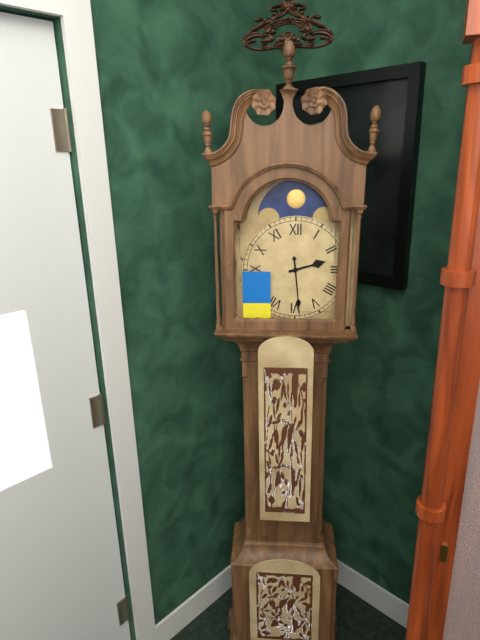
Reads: 2.29
